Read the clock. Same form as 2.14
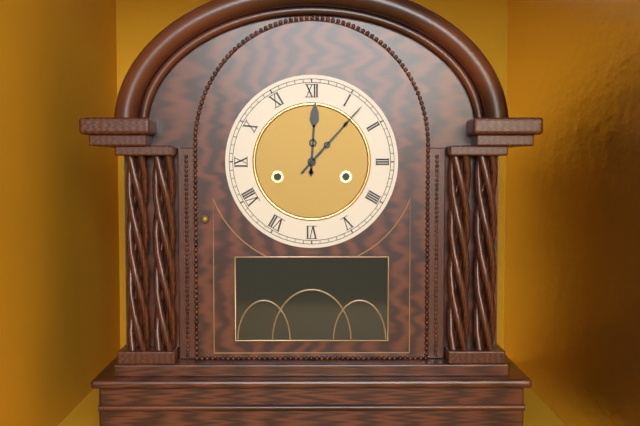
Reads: 12.07
